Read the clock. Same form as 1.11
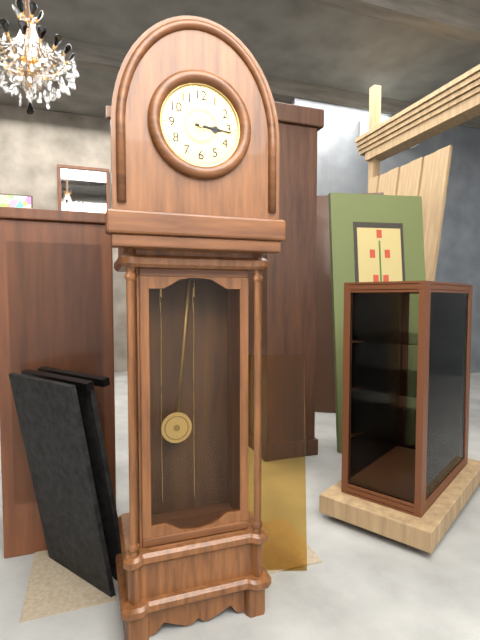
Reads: 3.16
